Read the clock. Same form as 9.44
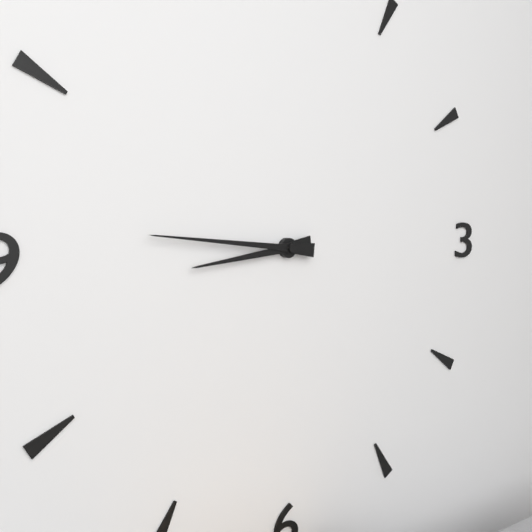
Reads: 8.46
